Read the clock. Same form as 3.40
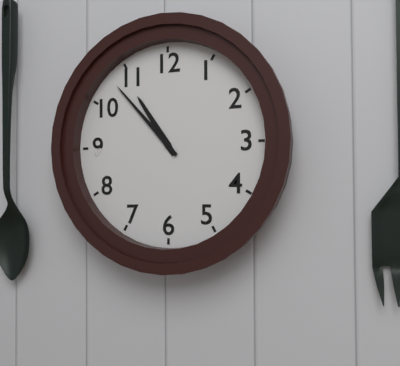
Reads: 10.53
